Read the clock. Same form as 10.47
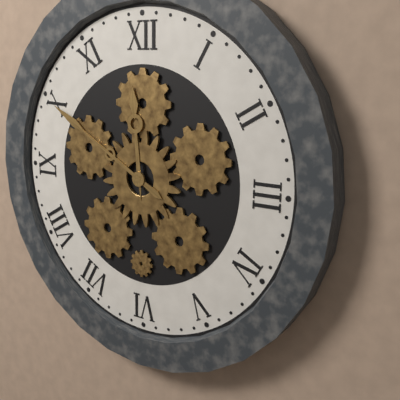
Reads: 11.50
